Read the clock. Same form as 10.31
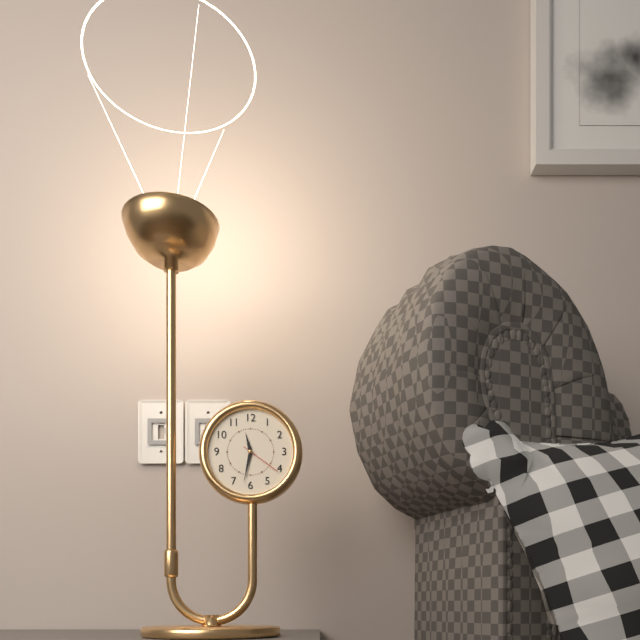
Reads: 11.32
